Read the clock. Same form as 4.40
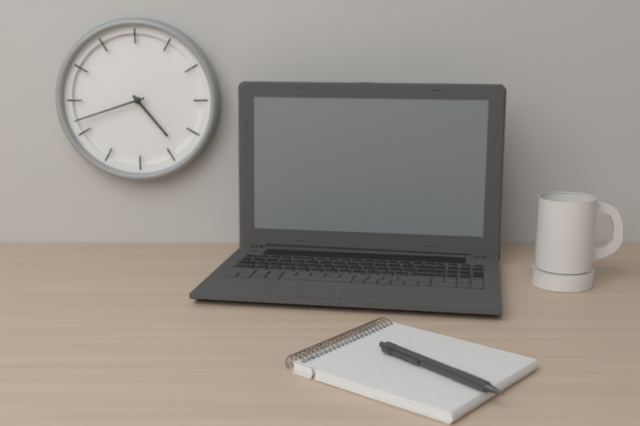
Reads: 4.42
